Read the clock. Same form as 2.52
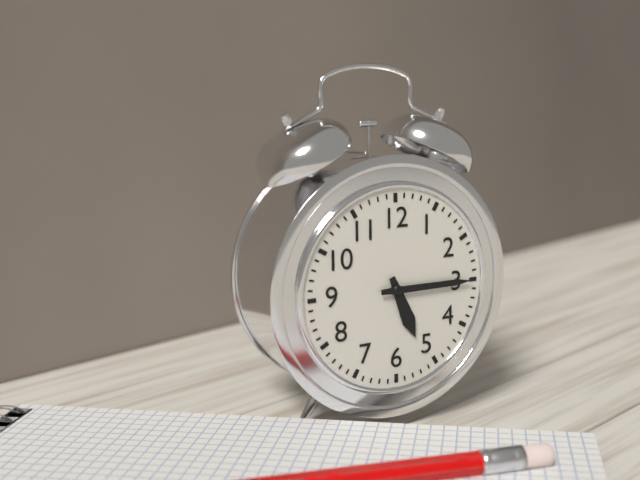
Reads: 5.15
